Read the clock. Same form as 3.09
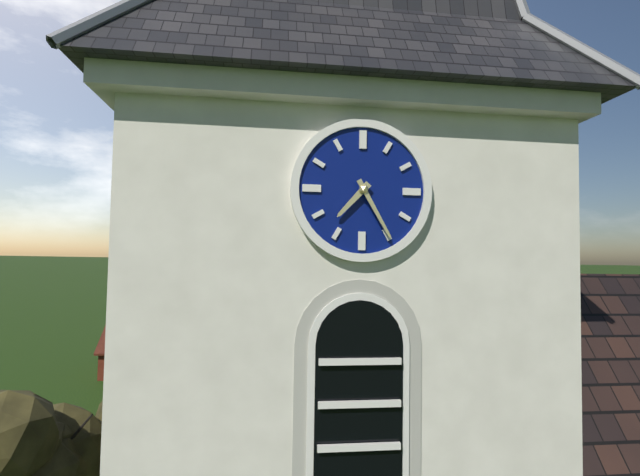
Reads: 7.25
